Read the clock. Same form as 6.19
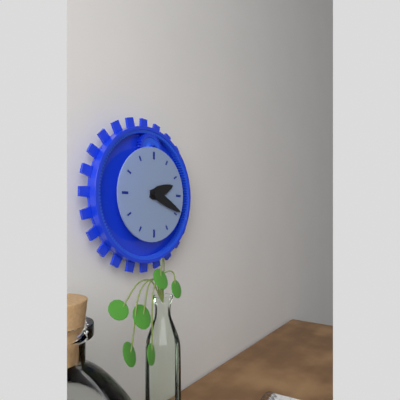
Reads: 2.19
